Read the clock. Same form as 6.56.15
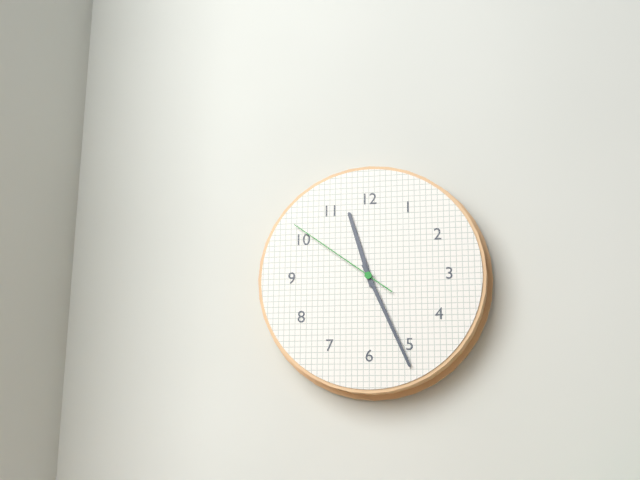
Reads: 11.26.51
